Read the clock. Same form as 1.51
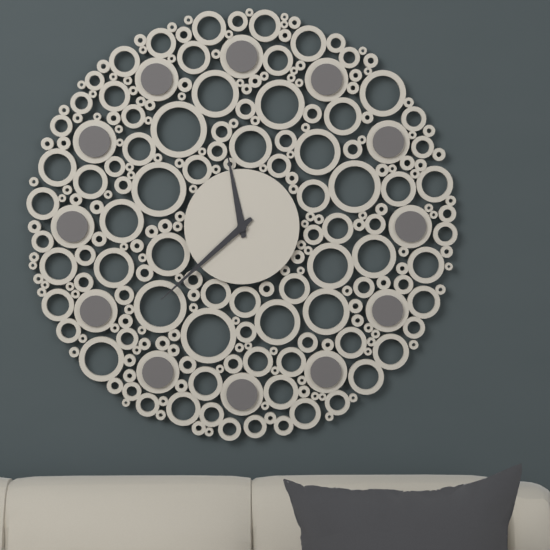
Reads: 11.38
